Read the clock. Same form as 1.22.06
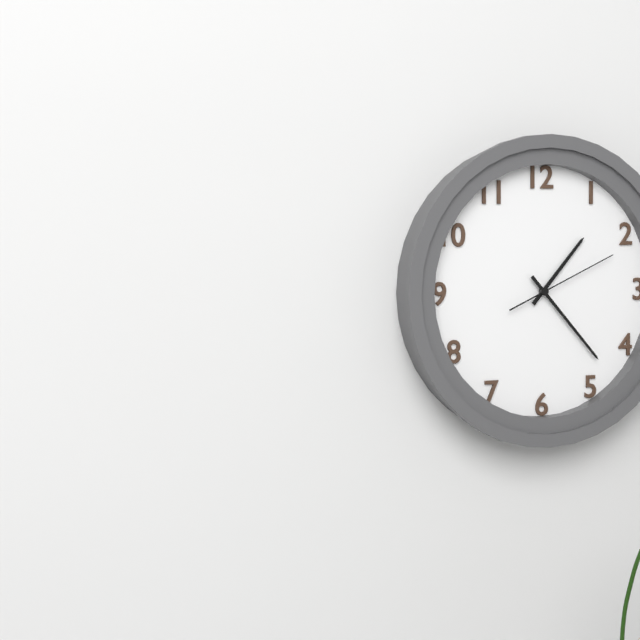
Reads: 1.23.11
